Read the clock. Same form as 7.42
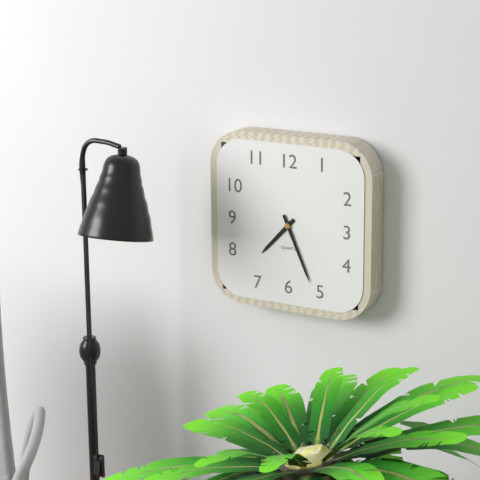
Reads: 7.26
